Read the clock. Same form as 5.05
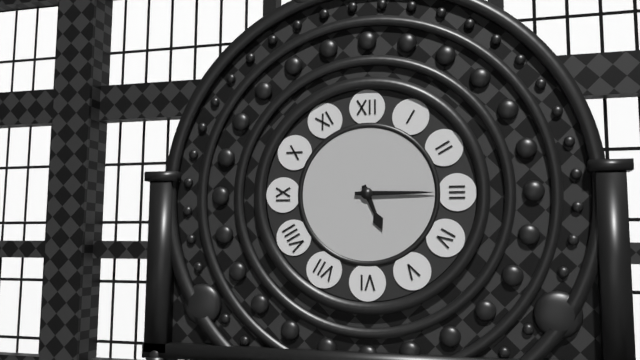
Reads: 5.15
